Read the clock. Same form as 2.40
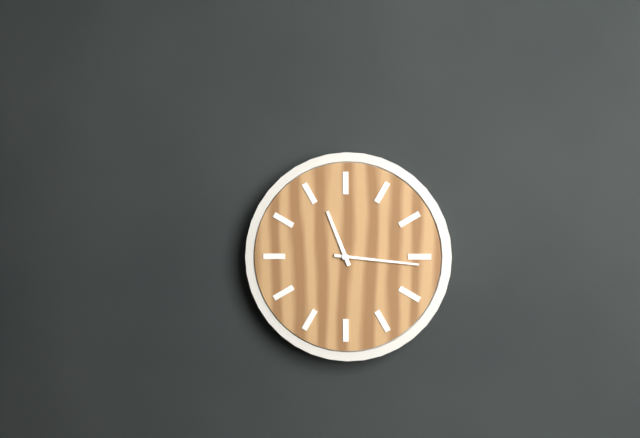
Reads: 11.16
